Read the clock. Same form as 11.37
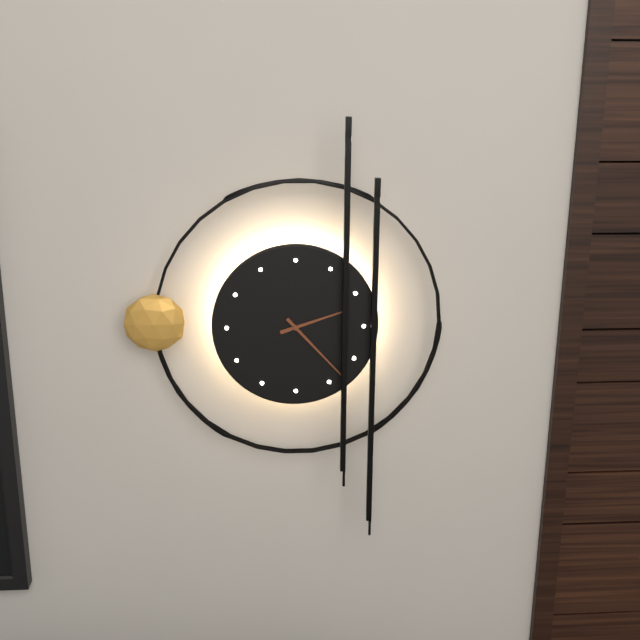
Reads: 2.23
